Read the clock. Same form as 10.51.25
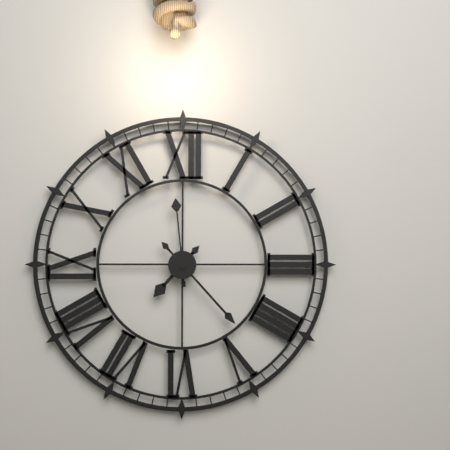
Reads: 7.23.59
